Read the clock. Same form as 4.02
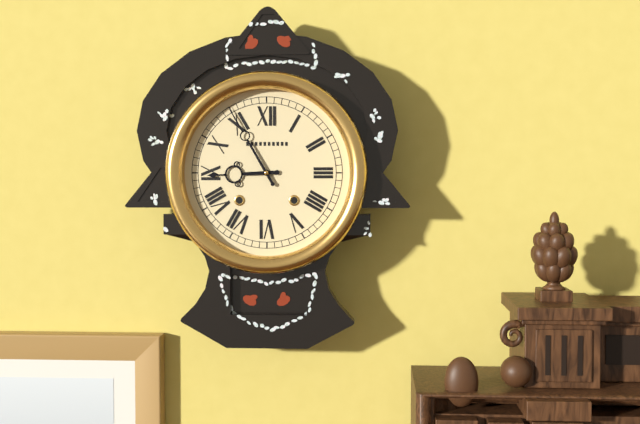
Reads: 8.55
